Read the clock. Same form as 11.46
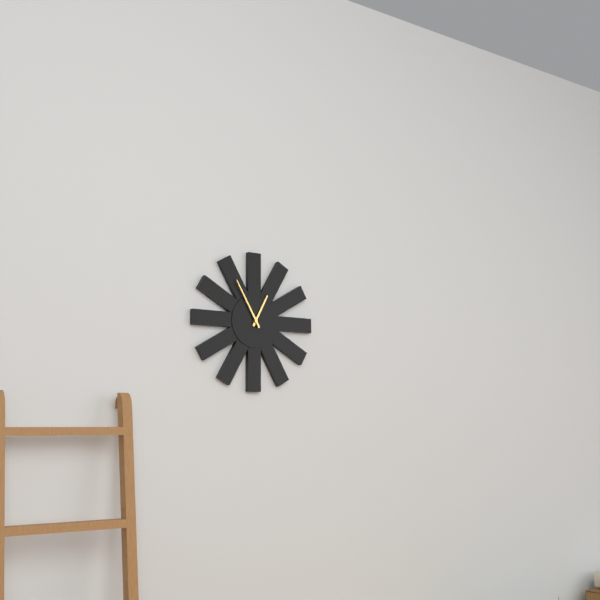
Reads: 12.55
